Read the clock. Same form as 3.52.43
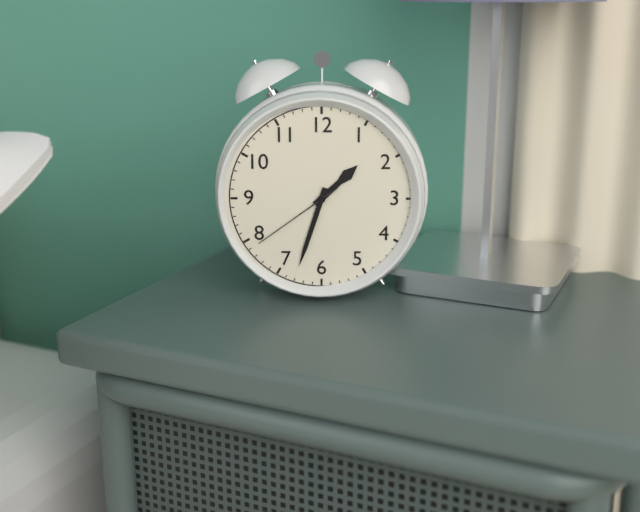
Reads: 1.33.39
